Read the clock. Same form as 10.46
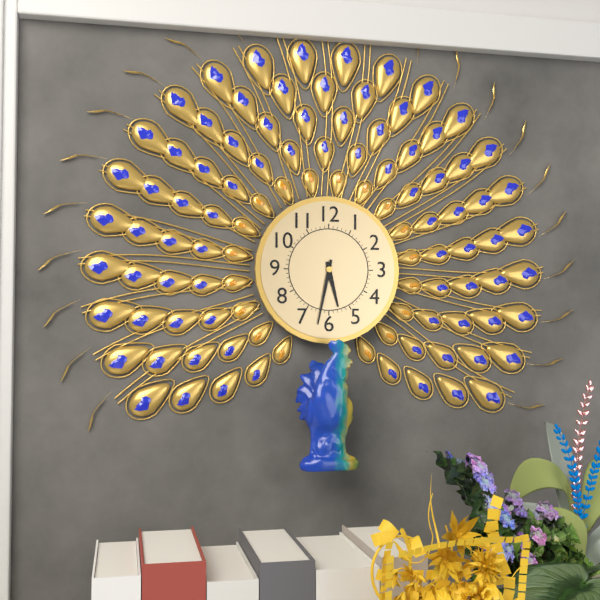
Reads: 5.32
